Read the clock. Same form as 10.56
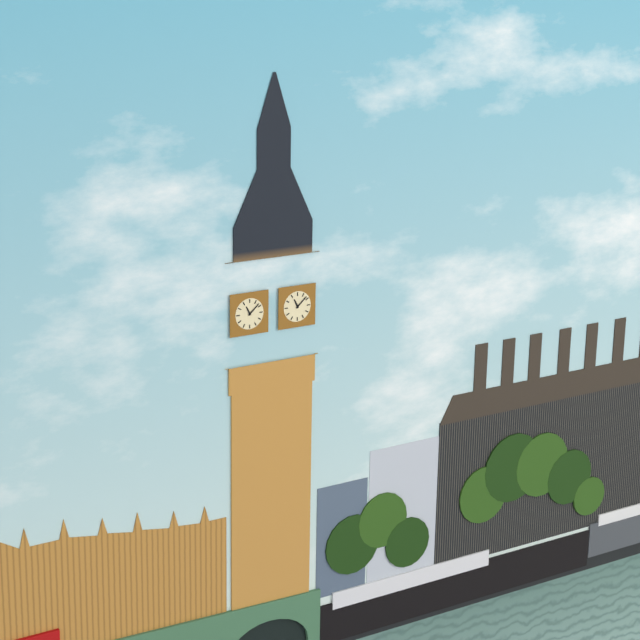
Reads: 11.08
